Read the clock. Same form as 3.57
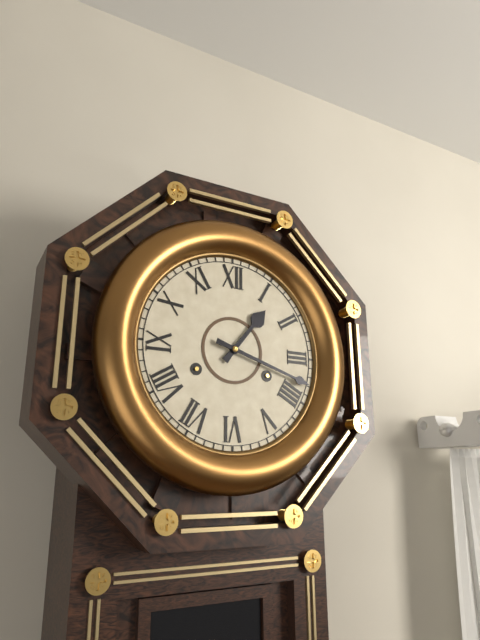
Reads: 1.18
